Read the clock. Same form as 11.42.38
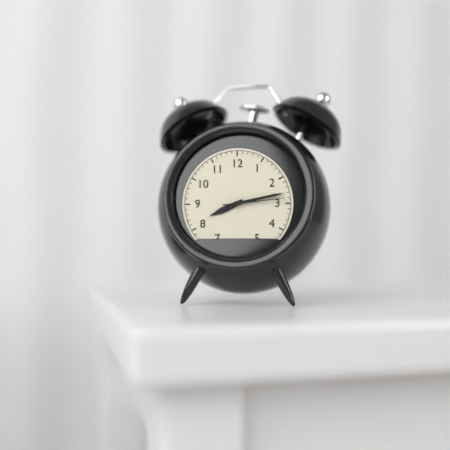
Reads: 8.13.14
